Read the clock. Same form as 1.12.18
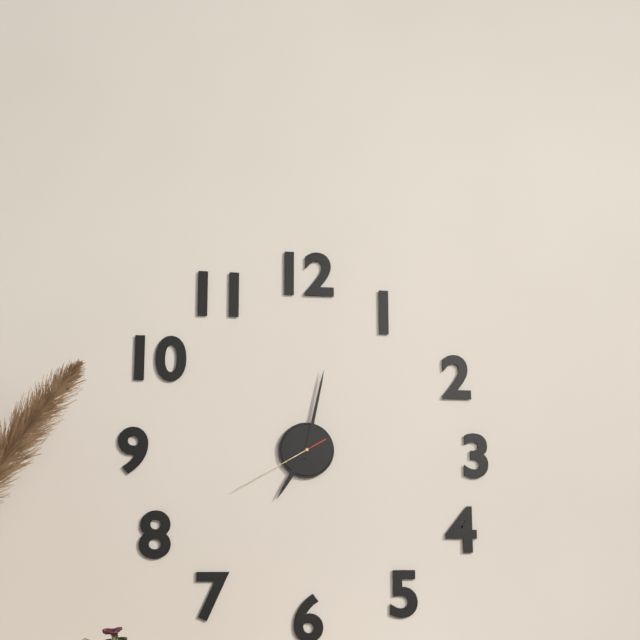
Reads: 7.02.40
